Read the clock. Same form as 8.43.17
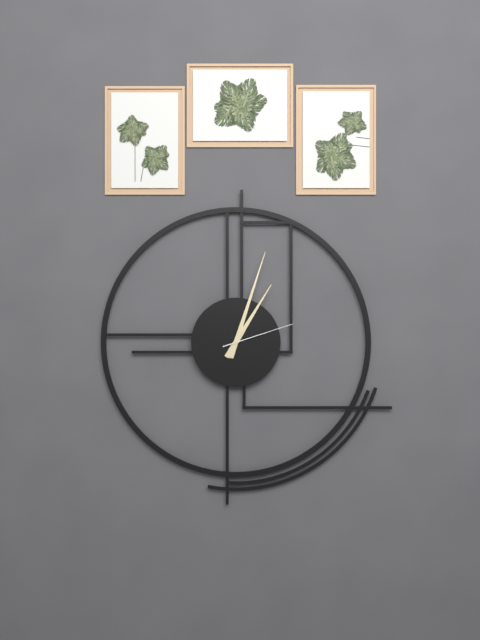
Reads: 1.03.12
